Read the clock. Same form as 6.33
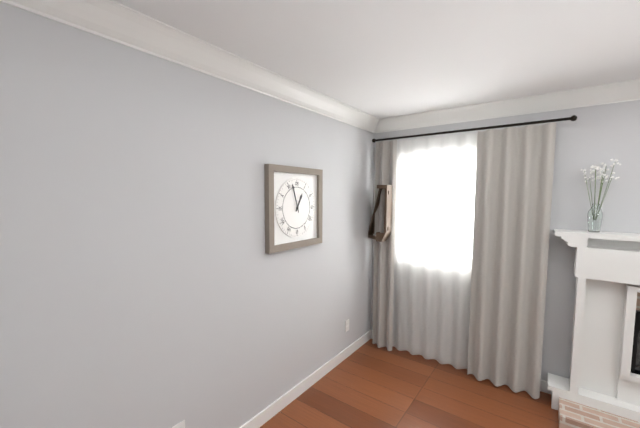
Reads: 12.57
